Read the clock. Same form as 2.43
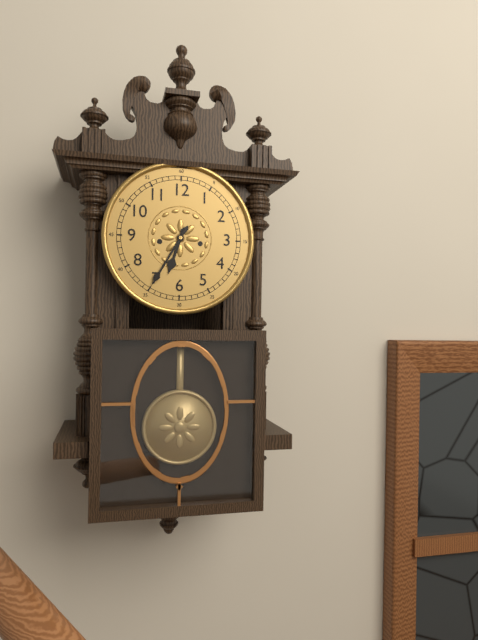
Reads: 6.35
